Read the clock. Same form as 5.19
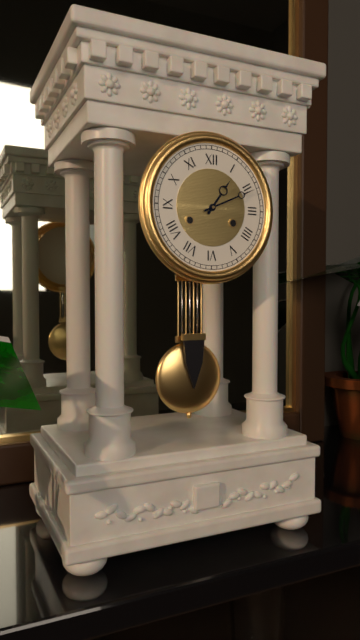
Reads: 1.11
